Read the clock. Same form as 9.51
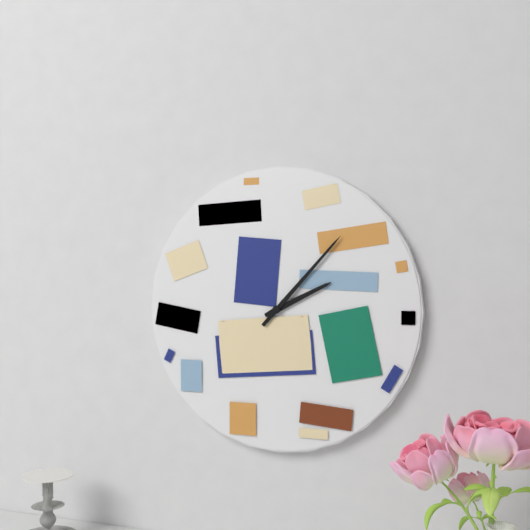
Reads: 2.07
